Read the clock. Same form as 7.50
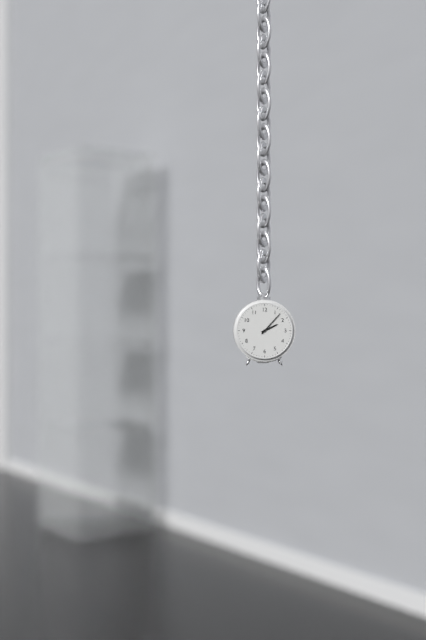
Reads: 2.07
